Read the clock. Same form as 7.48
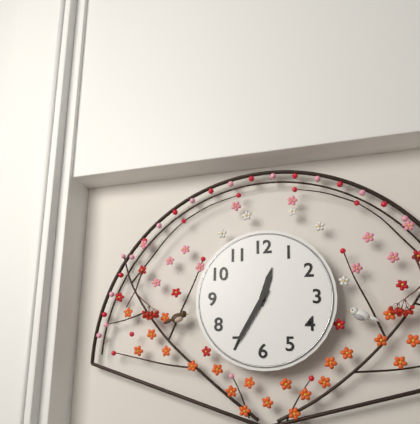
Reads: 12.35
